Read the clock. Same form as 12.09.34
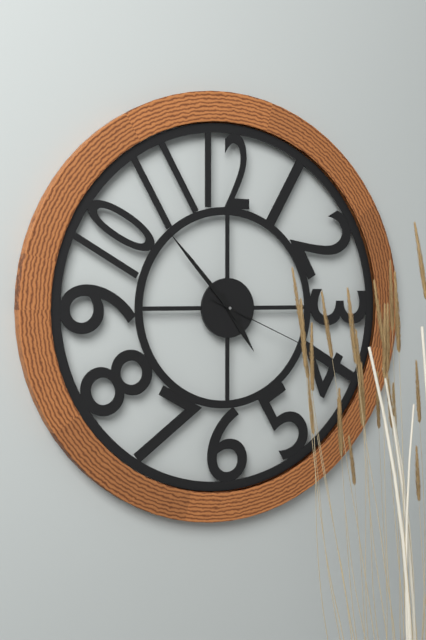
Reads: 4.53.19
